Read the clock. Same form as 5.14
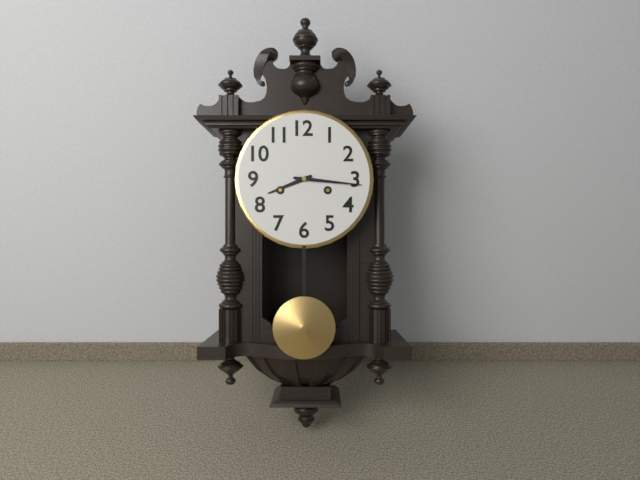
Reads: 8.16
